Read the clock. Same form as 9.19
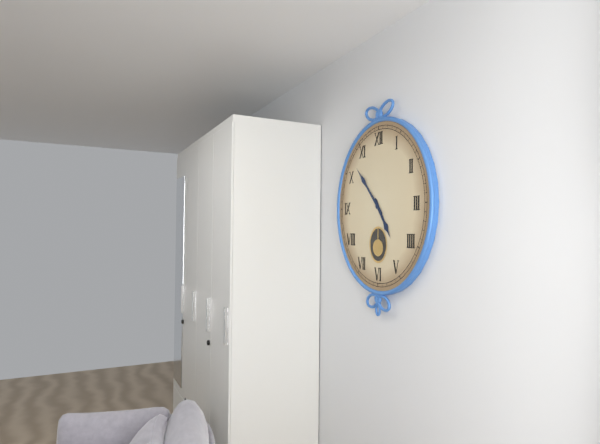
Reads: 4.53
